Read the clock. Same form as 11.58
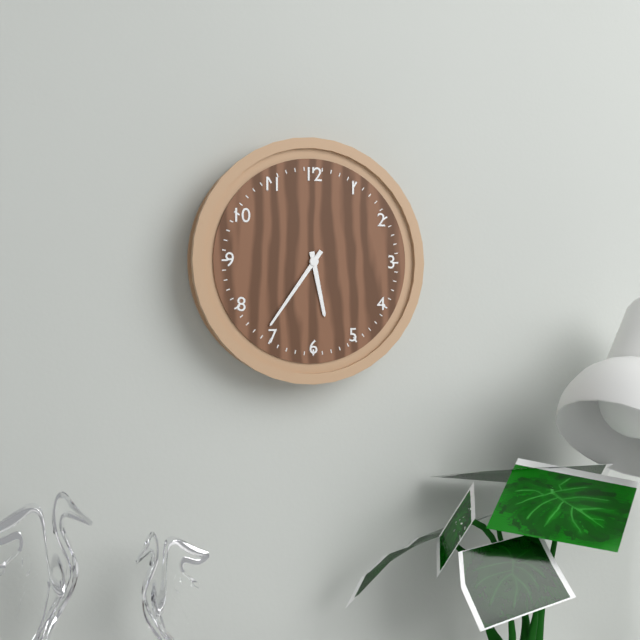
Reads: 5.36
